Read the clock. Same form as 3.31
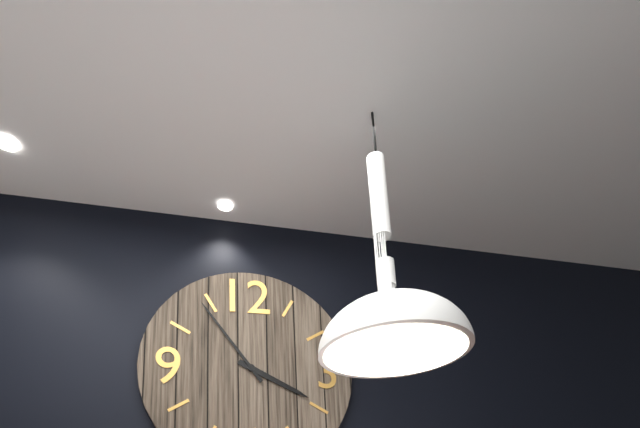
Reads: 3.54
